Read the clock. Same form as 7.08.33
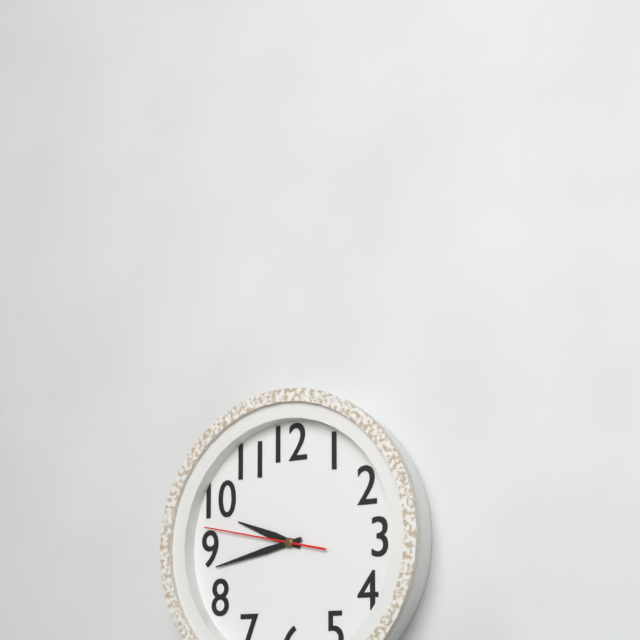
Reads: 9.43.47
